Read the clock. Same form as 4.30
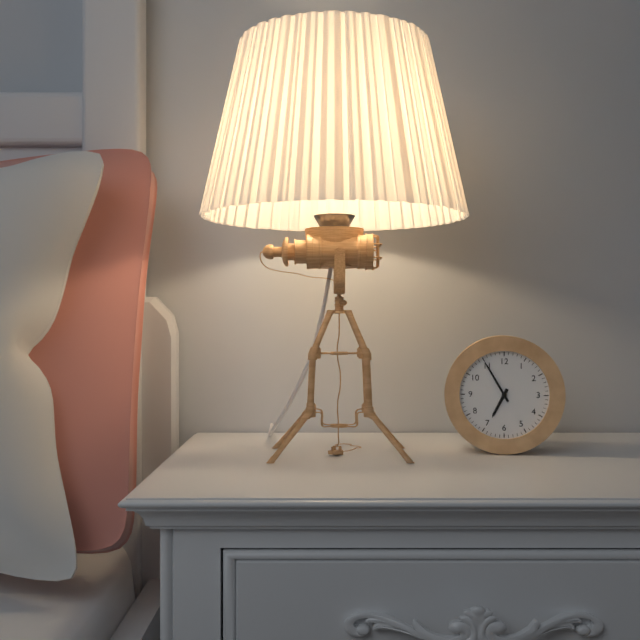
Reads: 6.55
